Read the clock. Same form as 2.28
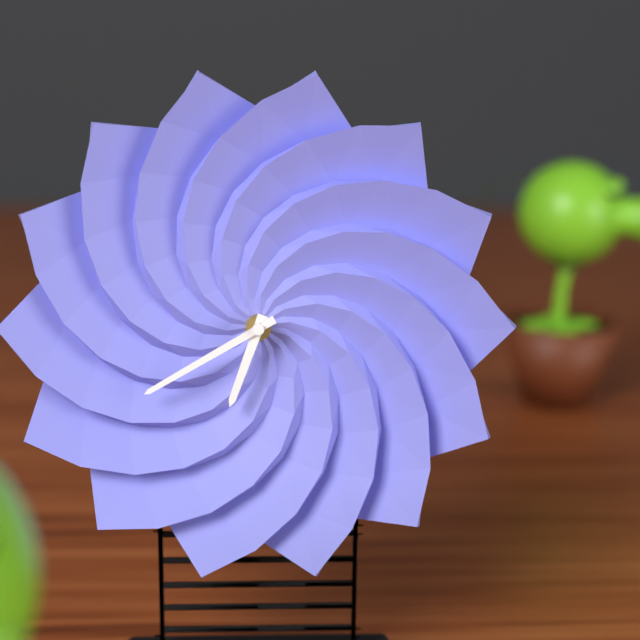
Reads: 6.40
